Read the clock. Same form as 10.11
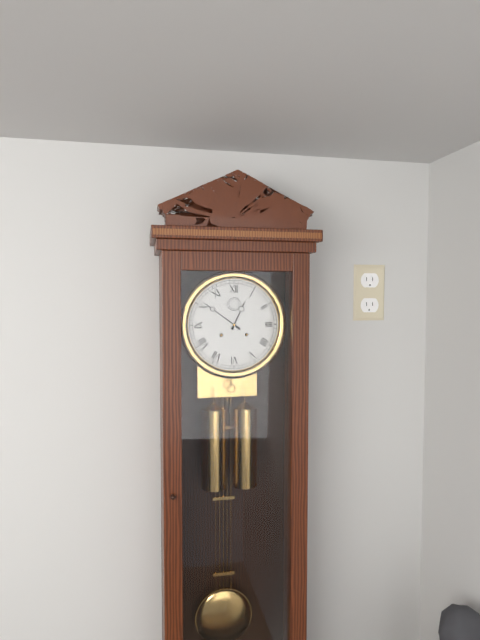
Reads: 12.51
